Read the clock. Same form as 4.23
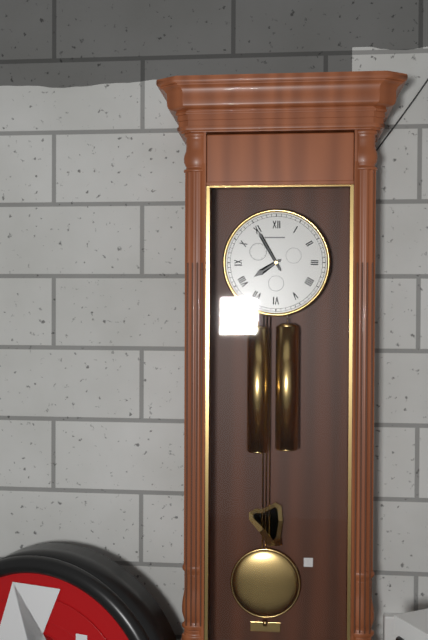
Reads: 7.55
